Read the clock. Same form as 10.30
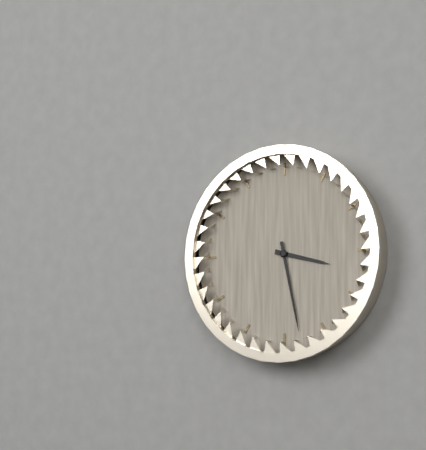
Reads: 3.28
